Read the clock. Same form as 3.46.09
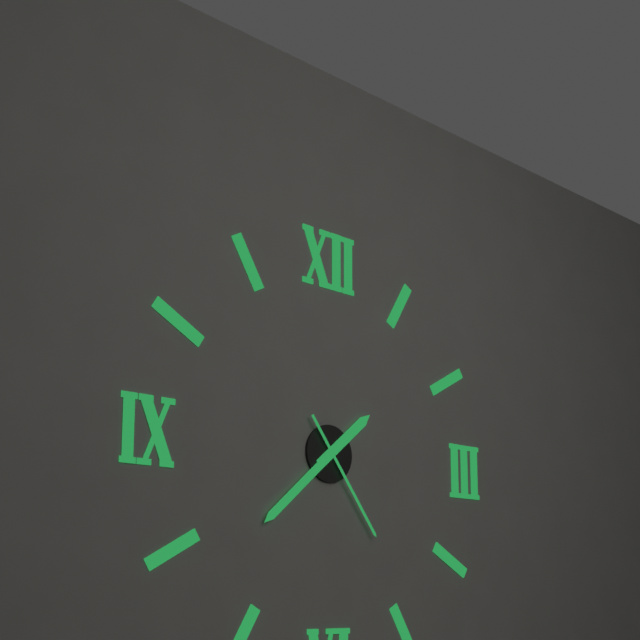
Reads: 1.38.24
